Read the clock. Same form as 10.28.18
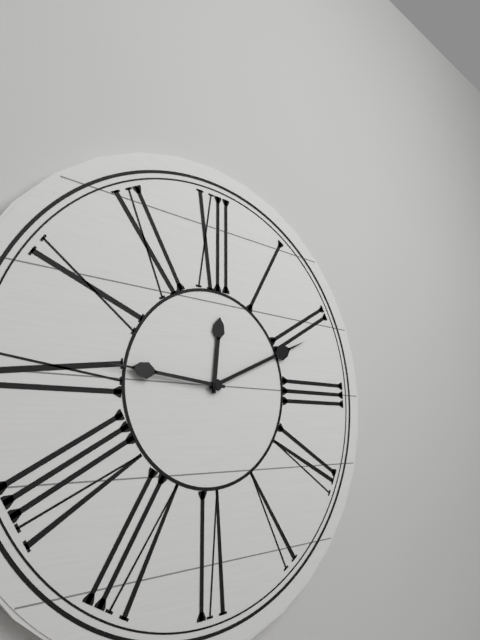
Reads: 12.11.46
